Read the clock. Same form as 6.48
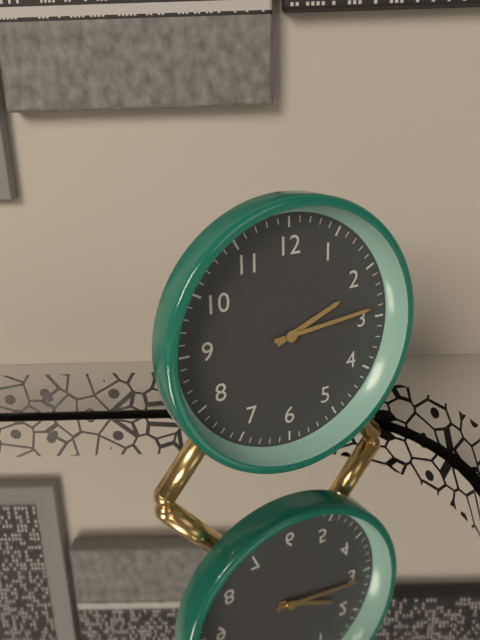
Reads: 2.14
